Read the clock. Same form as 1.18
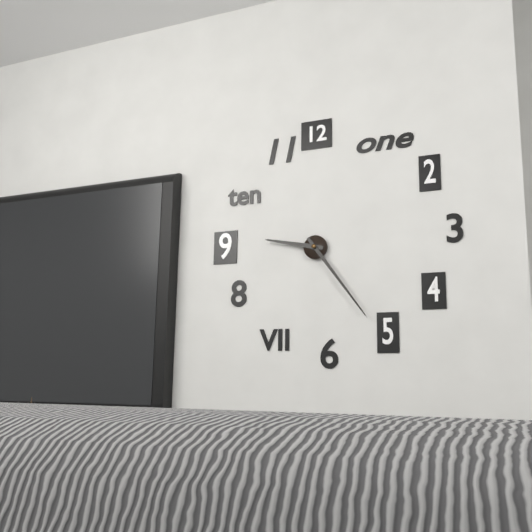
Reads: 9.24
